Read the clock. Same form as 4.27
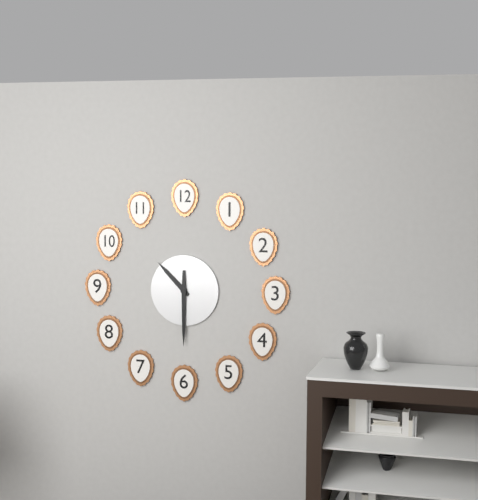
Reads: 10.30
